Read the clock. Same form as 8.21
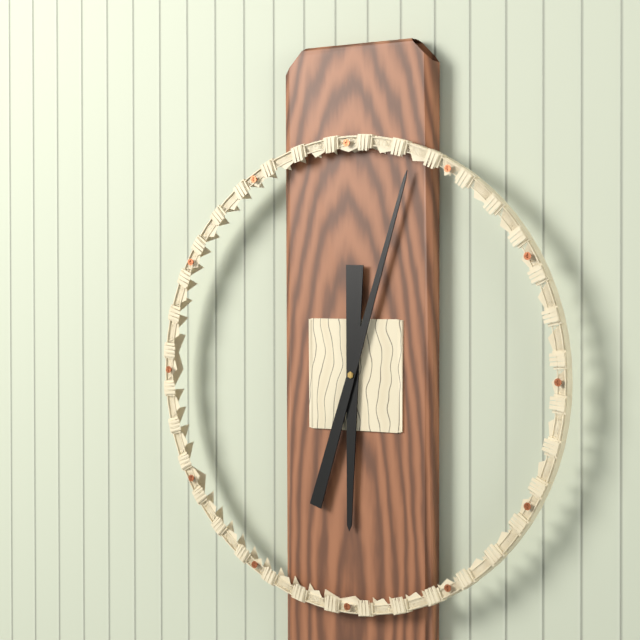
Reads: 6.03
